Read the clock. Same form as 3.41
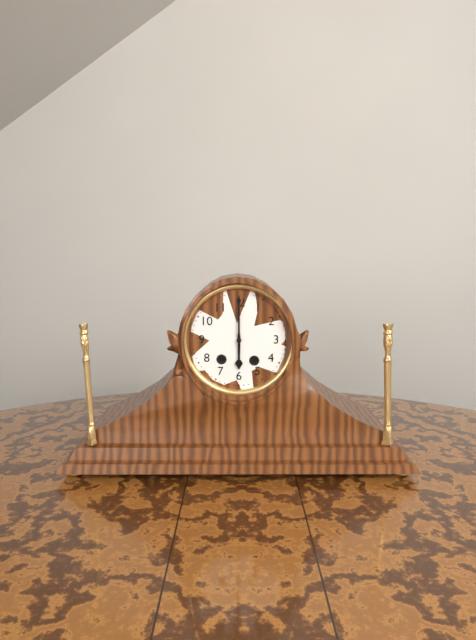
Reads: 6.00
